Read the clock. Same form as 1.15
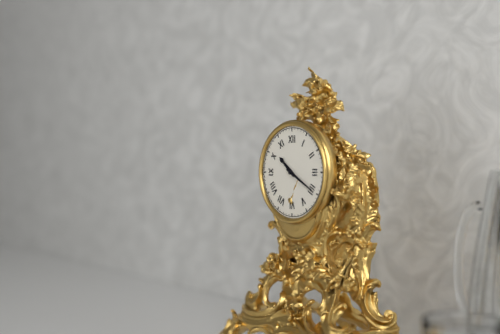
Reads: 10.20
